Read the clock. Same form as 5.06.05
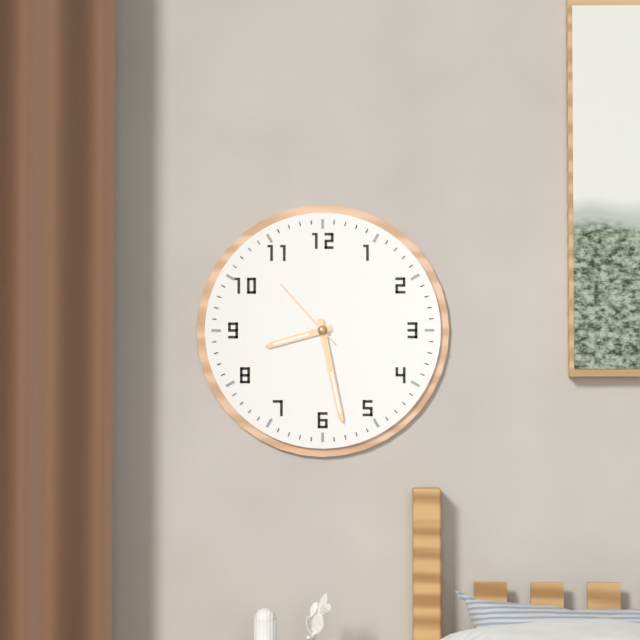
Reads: 8.28.53
